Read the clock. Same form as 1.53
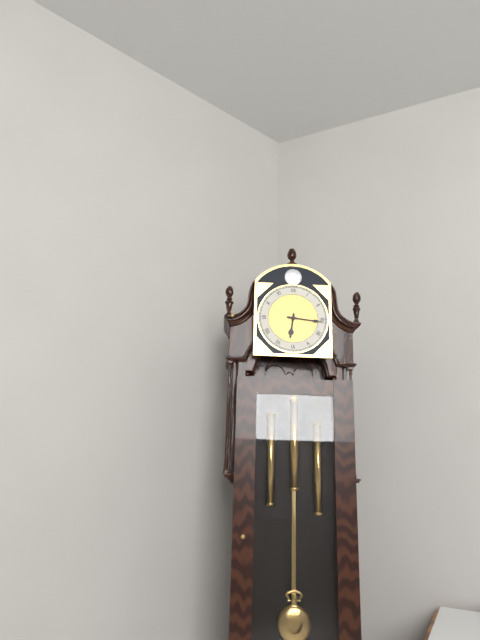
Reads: 6.16
